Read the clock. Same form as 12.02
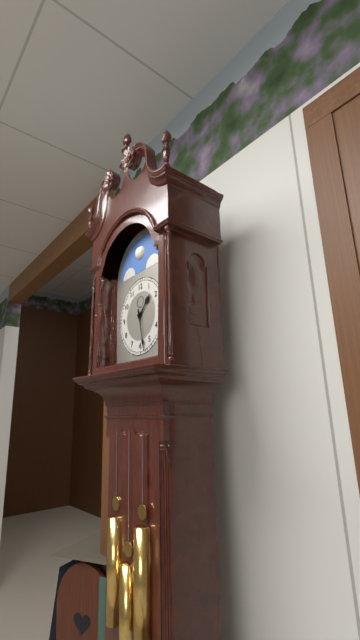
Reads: 1.28
